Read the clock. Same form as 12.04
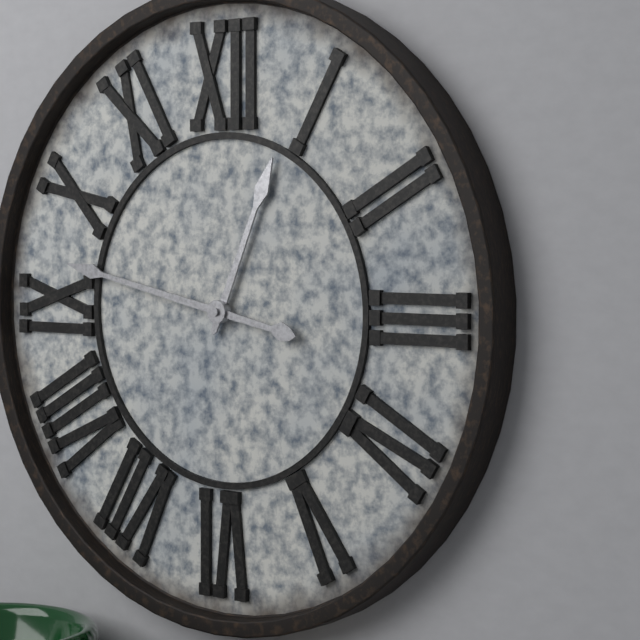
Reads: 12.47
